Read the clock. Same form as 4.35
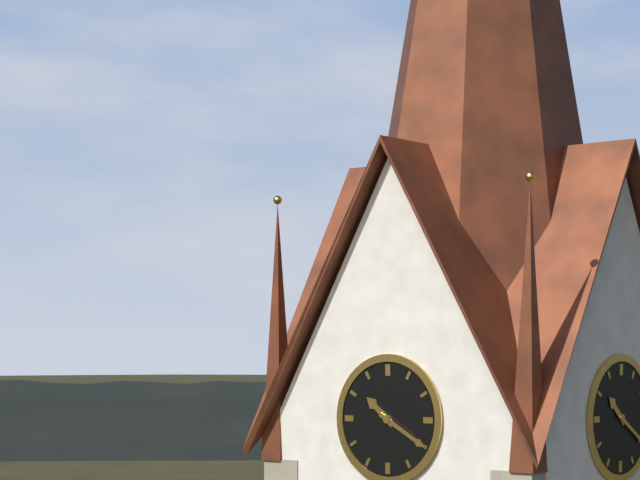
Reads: 10.20
